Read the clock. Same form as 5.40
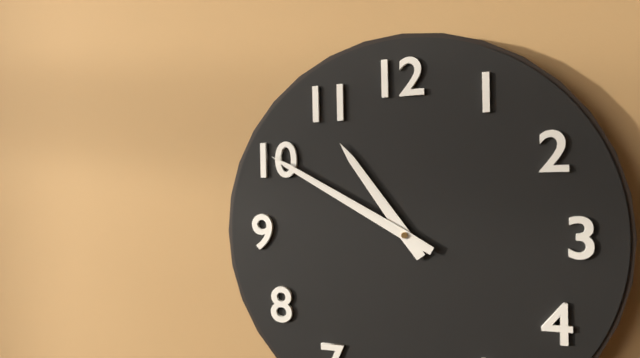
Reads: 10.50
